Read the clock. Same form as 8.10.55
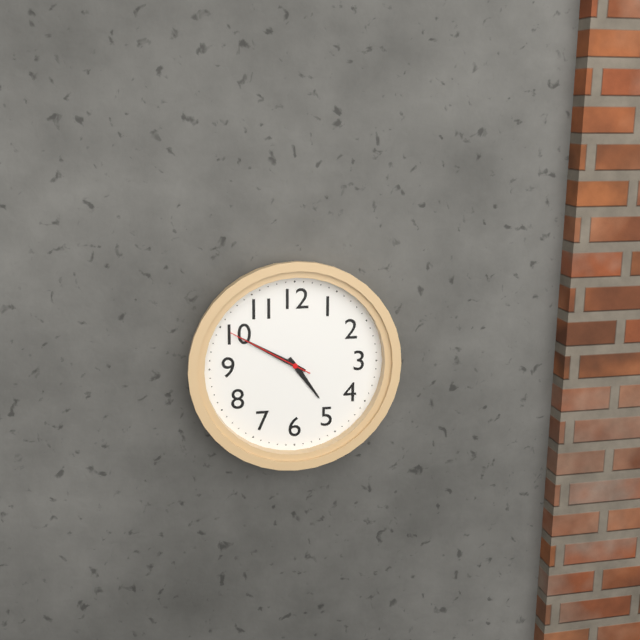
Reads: 4.50.50
